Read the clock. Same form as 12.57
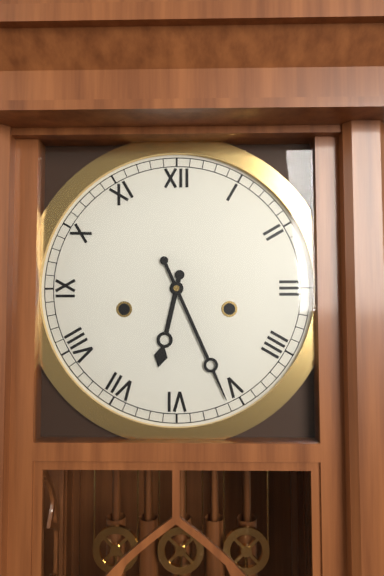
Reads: 6.26
